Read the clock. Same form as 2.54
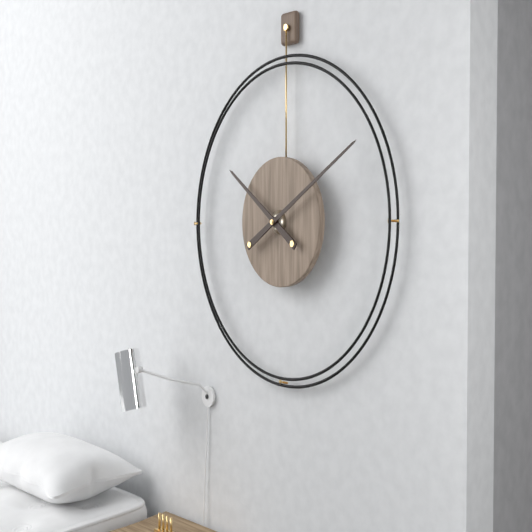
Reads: 10.10
